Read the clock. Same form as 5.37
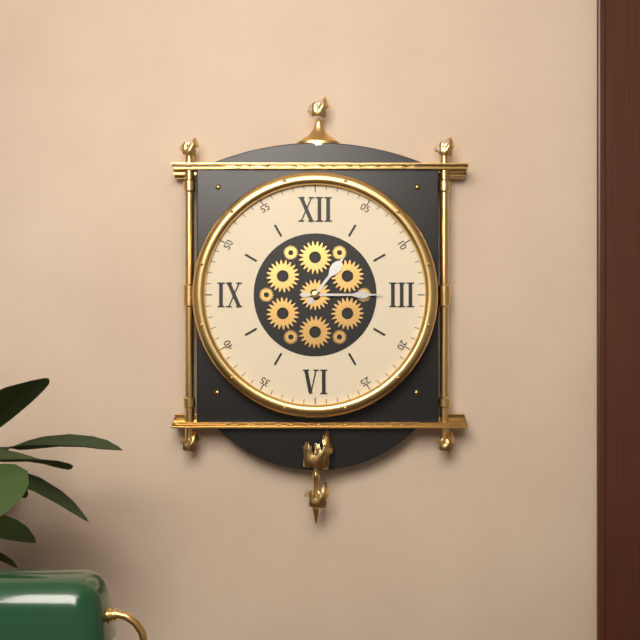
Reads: 1.15
